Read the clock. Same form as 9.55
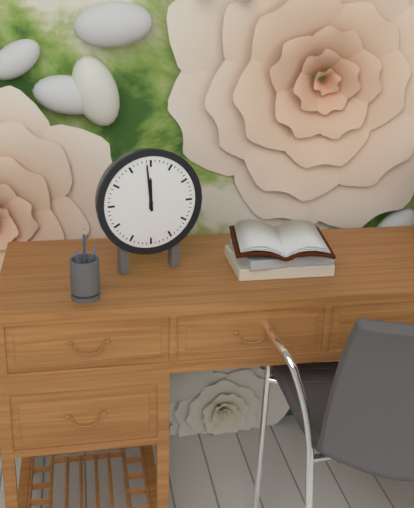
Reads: 11.59
